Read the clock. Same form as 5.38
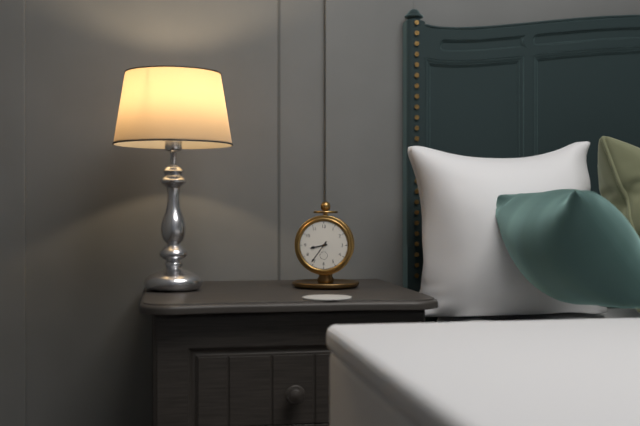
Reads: 8.36
